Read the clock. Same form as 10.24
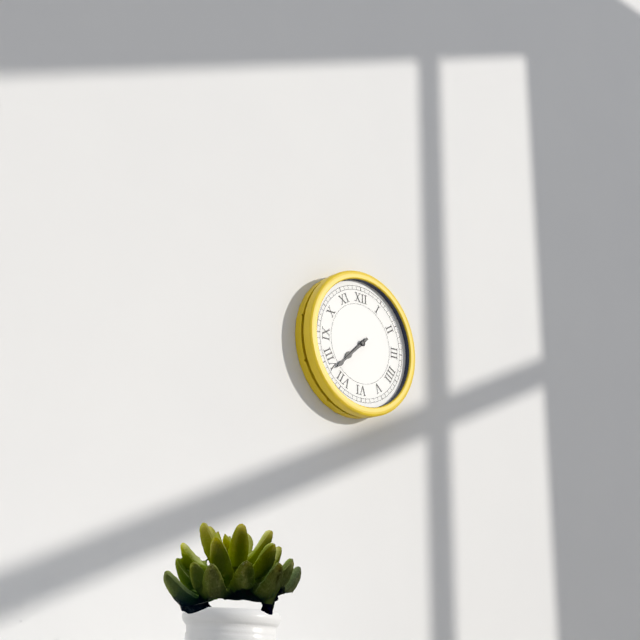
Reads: 7.38
